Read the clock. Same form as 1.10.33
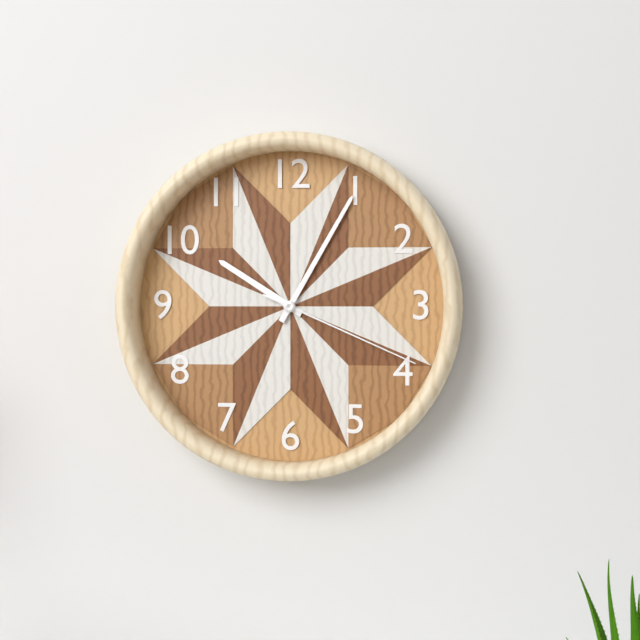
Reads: 10.05.19
